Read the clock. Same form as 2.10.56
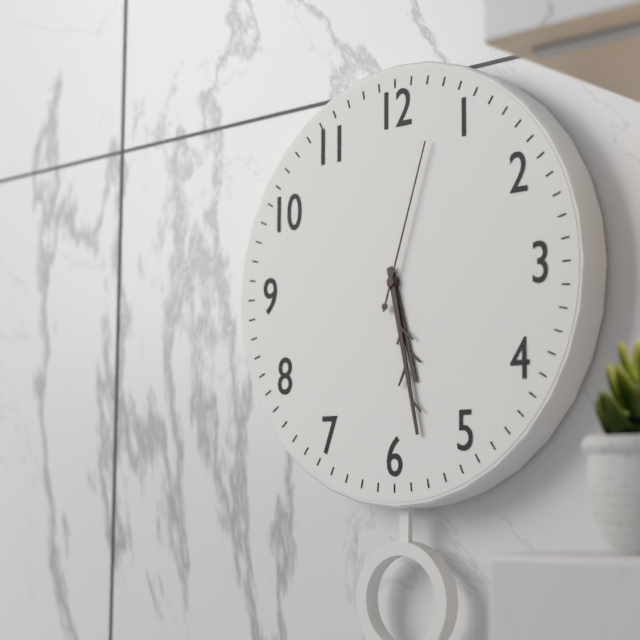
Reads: 5.28.03
